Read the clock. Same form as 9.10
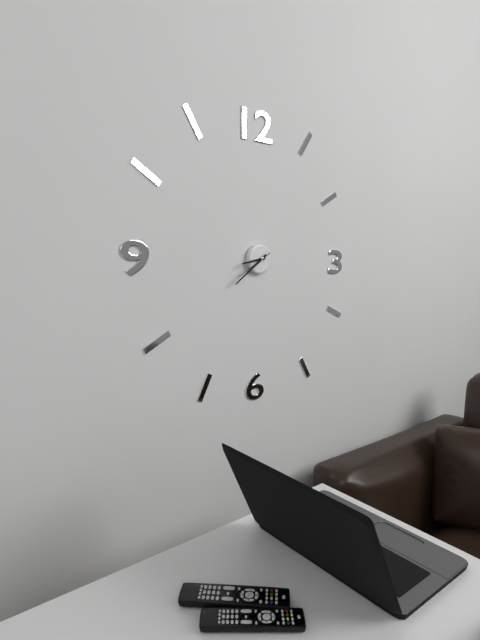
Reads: 8.39
